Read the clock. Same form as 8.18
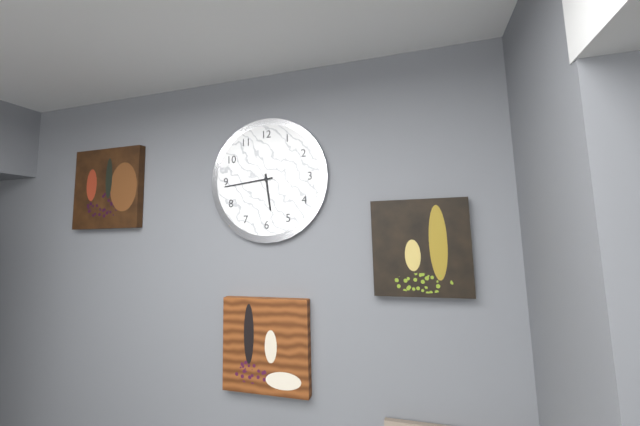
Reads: 5.44
